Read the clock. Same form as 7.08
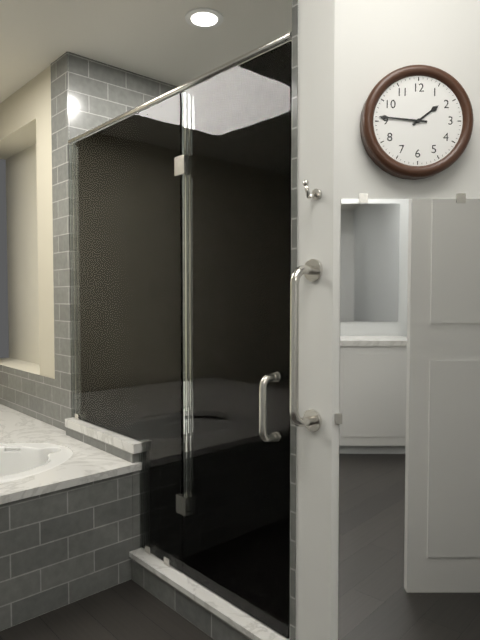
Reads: 1.46
